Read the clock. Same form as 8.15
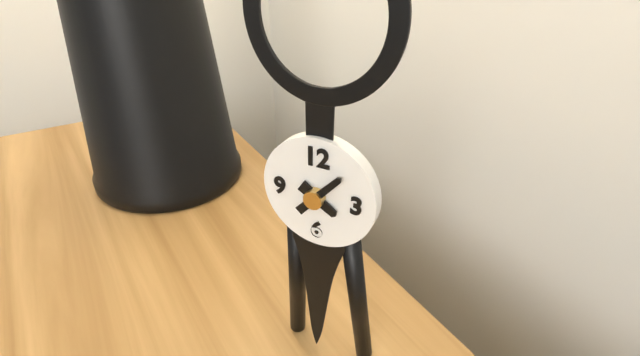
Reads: 4.07
